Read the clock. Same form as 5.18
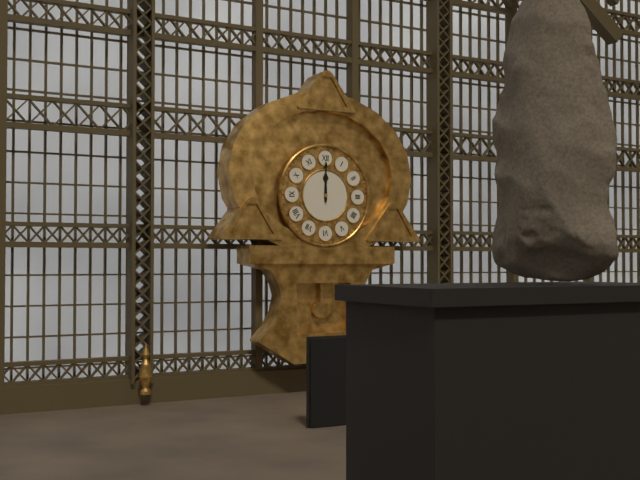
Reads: 12.00
